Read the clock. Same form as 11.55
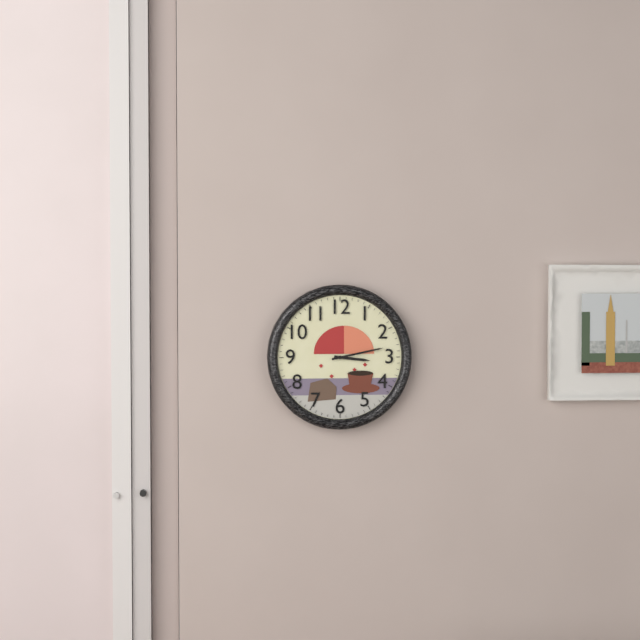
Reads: 3.13
